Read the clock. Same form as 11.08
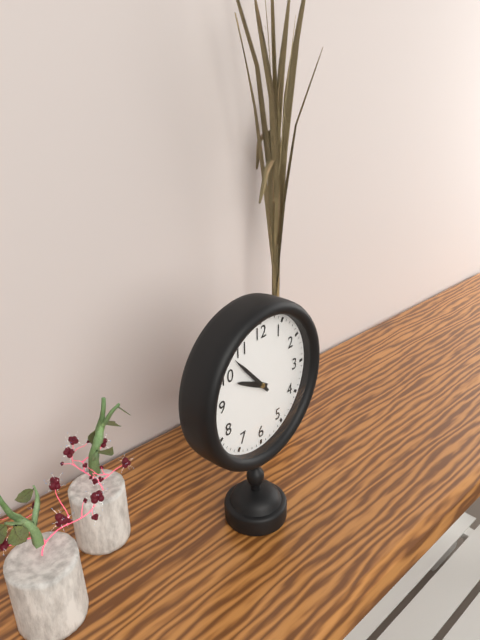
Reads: 9.53
